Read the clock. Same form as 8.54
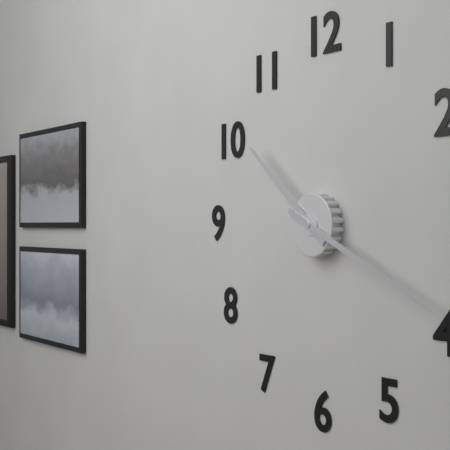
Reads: 10.19
